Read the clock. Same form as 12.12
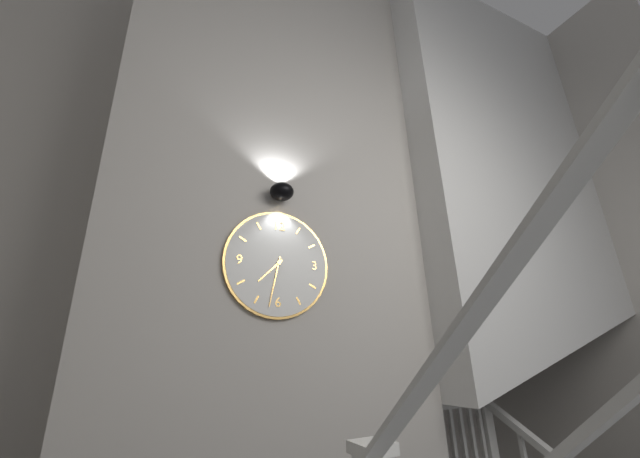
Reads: 7.32
